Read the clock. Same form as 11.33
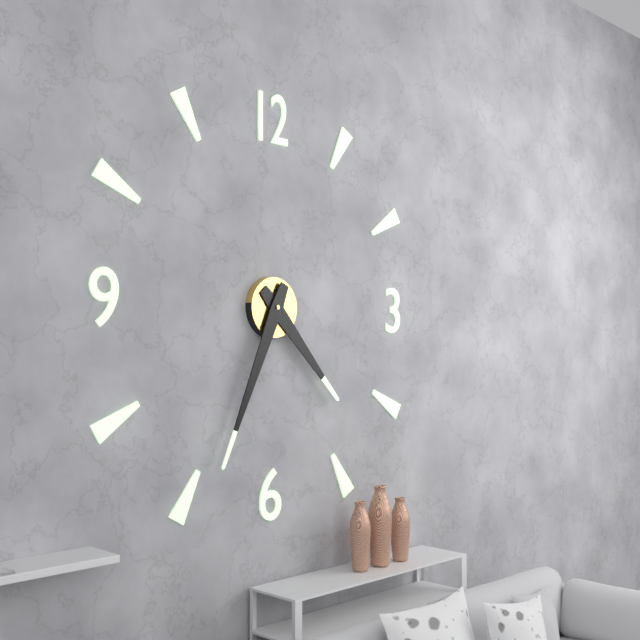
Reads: 4.34
